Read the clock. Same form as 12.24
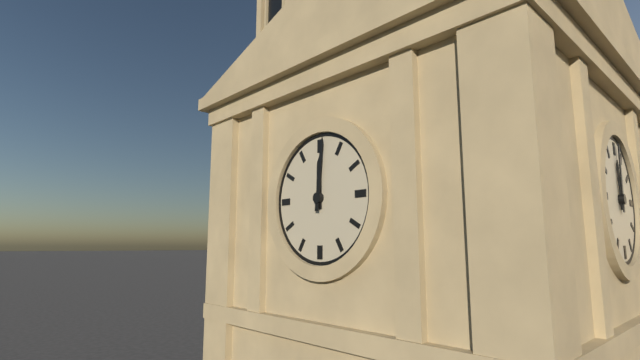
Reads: 12.01
